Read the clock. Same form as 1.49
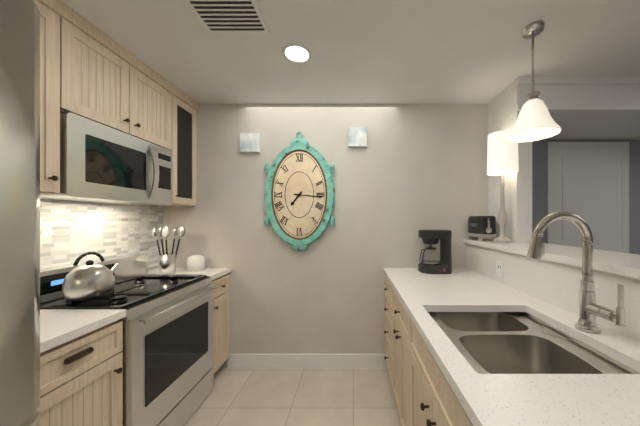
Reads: 7.16
